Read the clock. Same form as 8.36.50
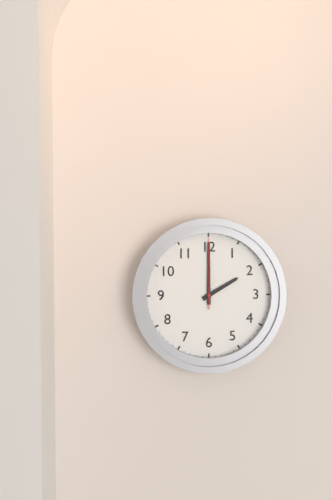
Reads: 2.00.00
